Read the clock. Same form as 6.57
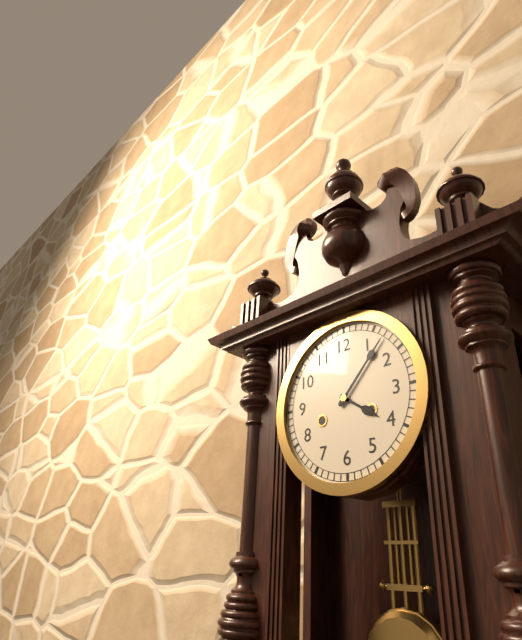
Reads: 4.07
